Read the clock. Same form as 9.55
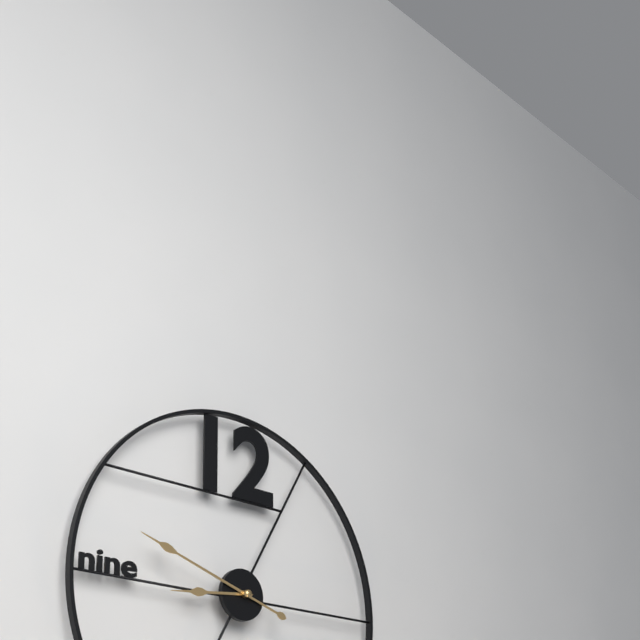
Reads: 8.48
